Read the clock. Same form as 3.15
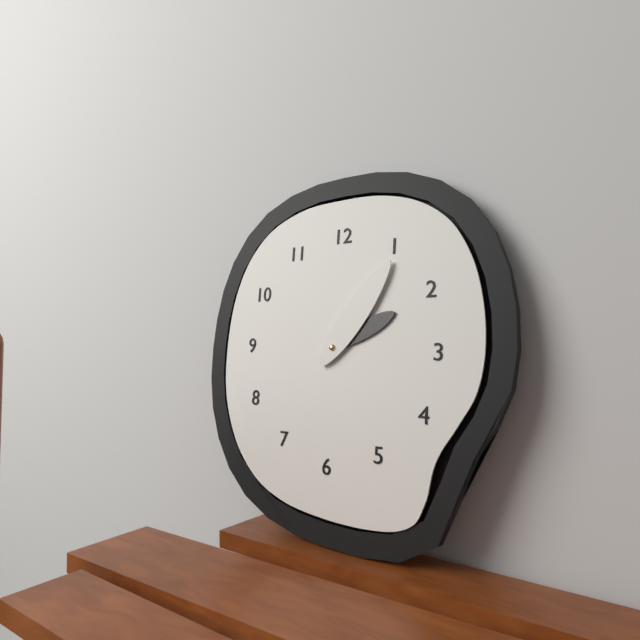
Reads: 2.06
